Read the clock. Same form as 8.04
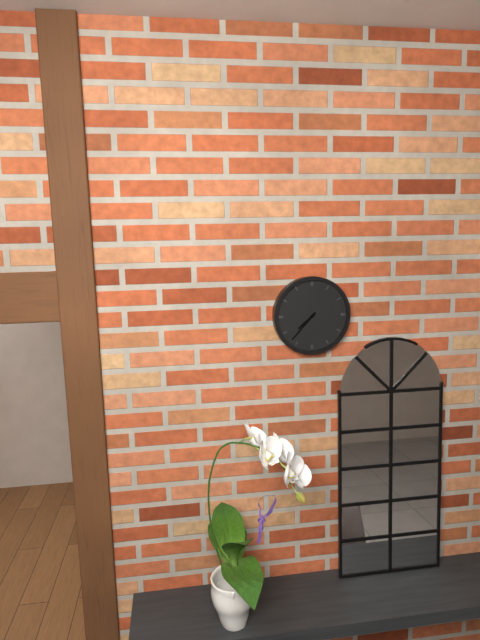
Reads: 7.37
